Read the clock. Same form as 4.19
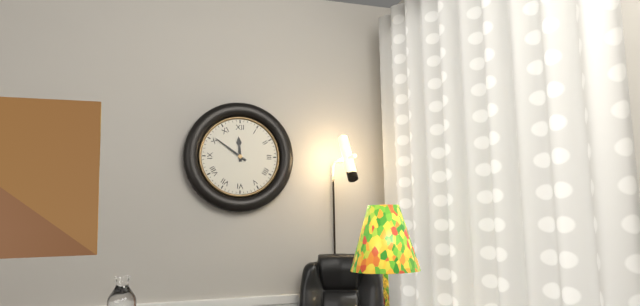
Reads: 11.51
